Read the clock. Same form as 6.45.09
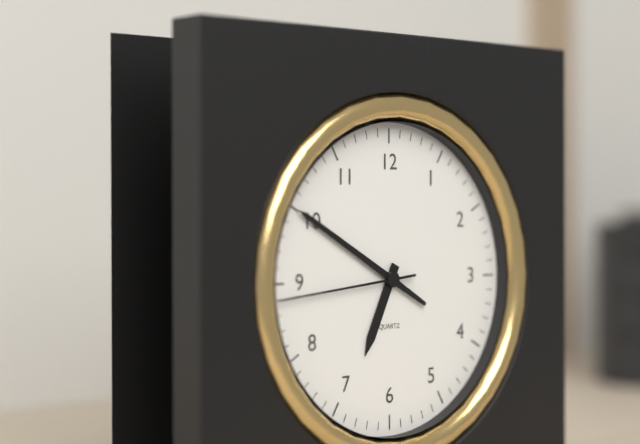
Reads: 6.50.44
